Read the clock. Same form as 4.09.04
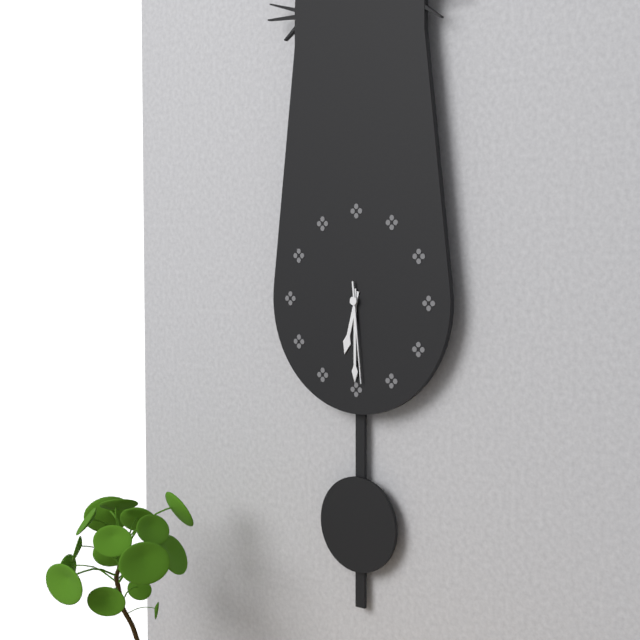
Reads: 6.30.29
